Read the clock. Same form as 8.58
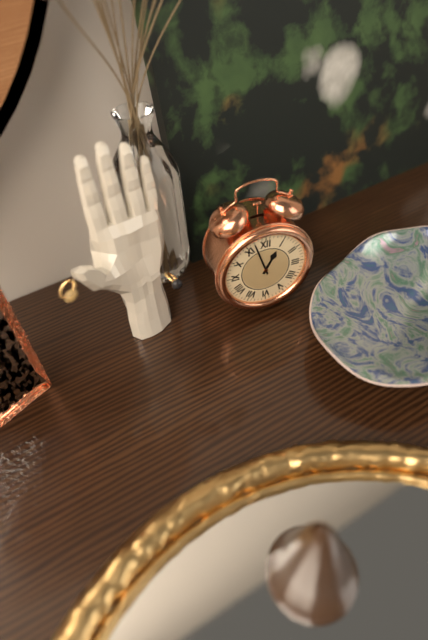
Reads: 12.57
